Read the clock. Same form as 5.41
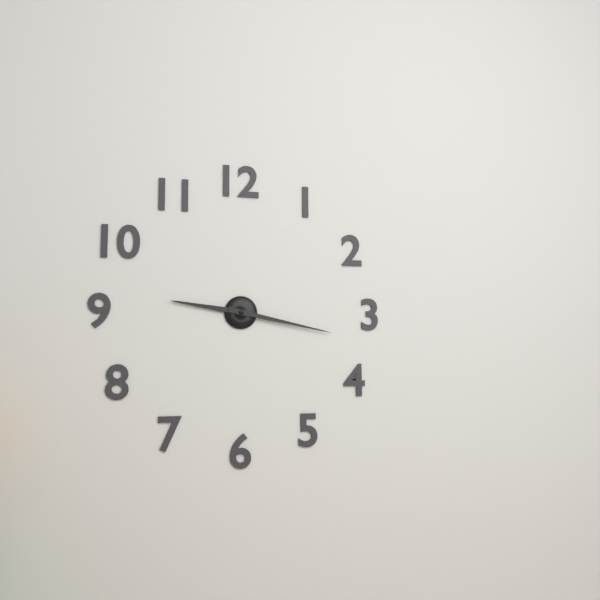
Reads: 9.17
